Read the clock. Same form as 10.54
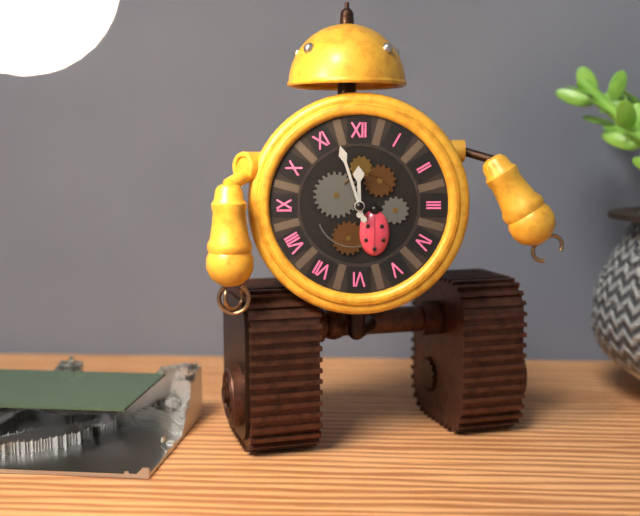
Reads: 11.57
